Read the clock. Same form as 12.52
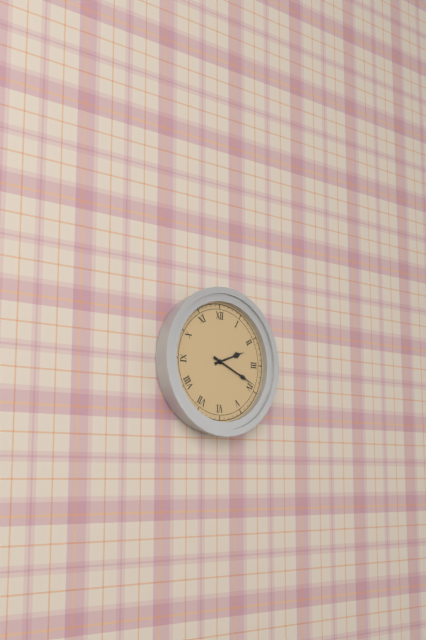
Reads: 2.19
